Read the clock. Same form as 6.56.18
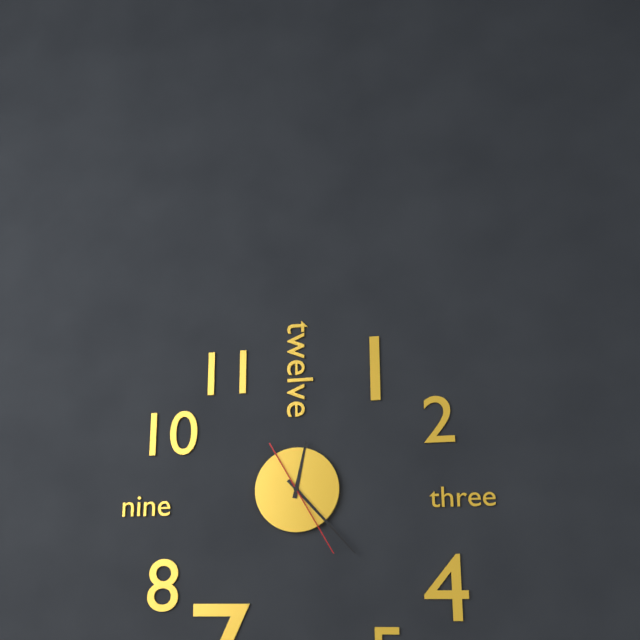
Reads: 12.23.25
